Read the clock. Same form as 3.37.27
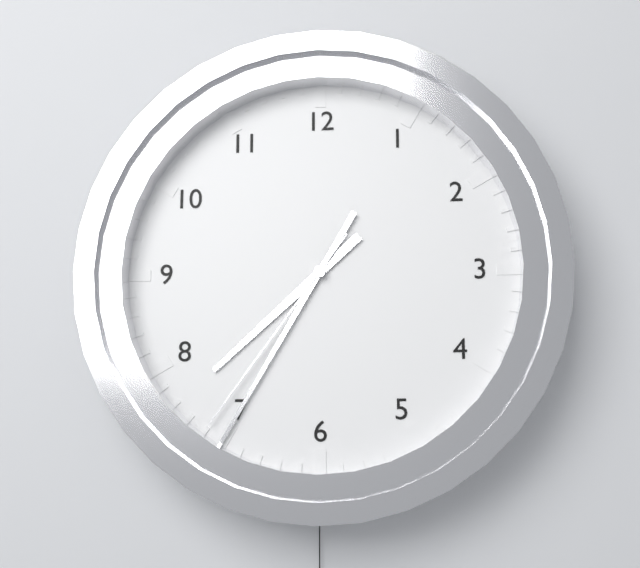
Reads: 7.35.36
